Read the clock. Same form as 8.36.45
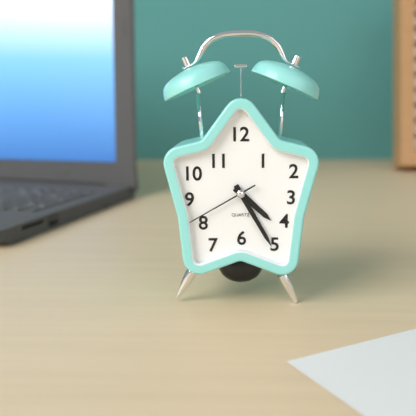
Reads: 4.25.40
